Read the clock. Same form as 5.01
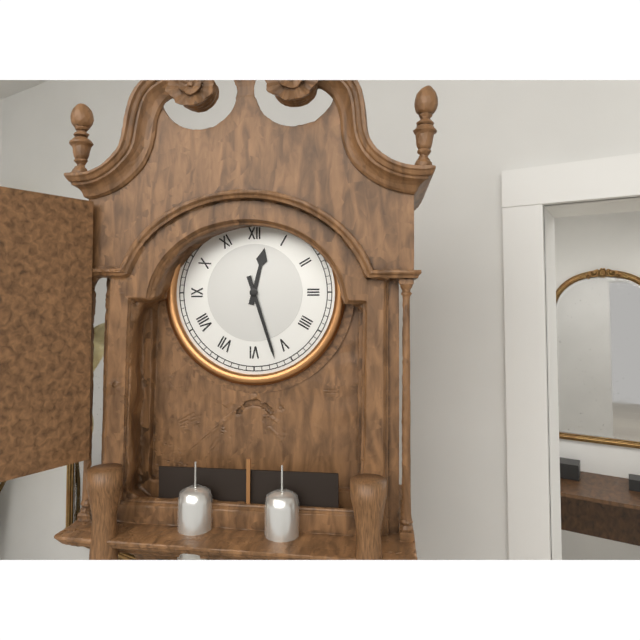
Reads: 12.27
